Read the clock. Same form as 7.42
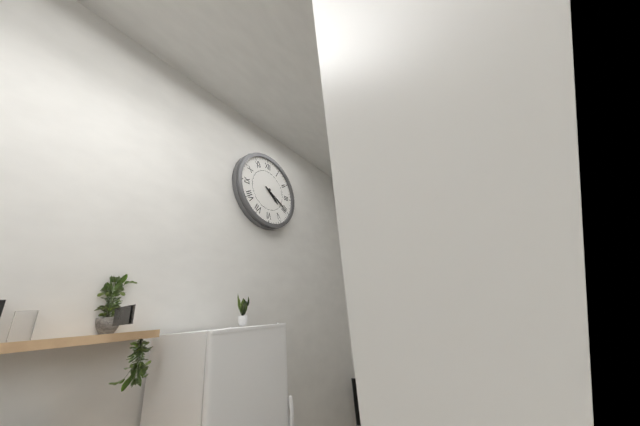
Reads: 4.20
